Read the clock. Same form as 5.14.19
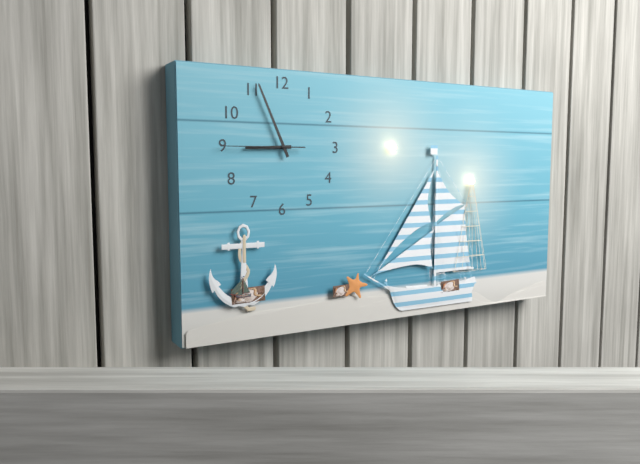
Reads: 8.56.45
